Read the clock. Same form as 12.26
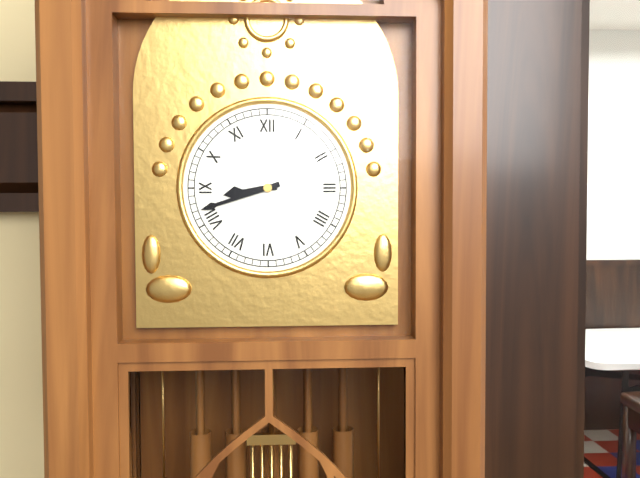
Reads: 8.42
